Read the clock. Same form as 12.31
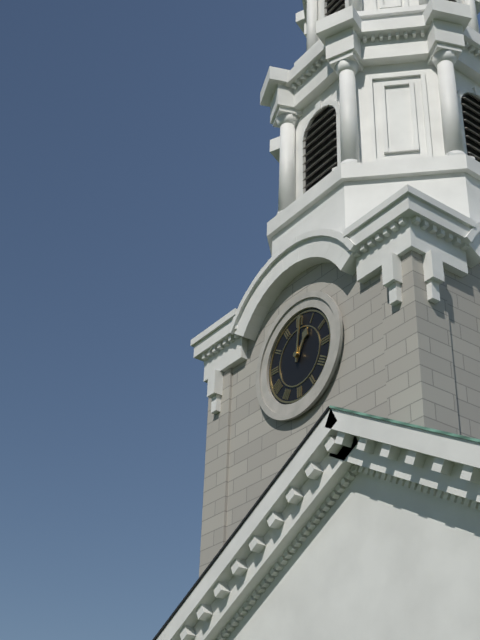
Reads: 1.01
